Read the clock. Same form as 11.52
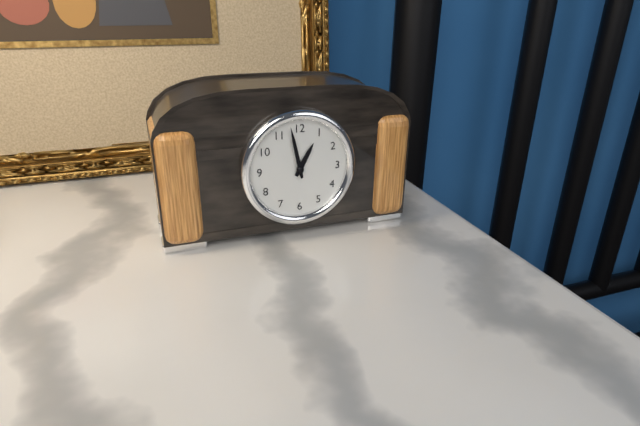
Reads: 12.58
